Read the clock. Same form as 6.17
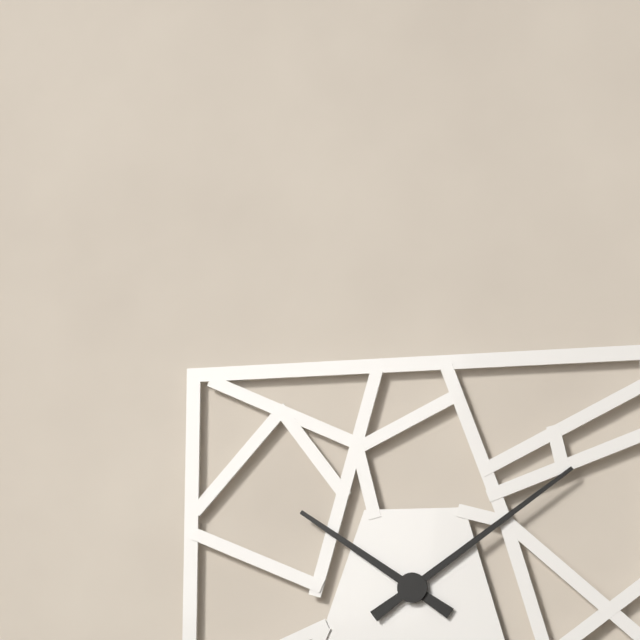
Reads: 10.09
